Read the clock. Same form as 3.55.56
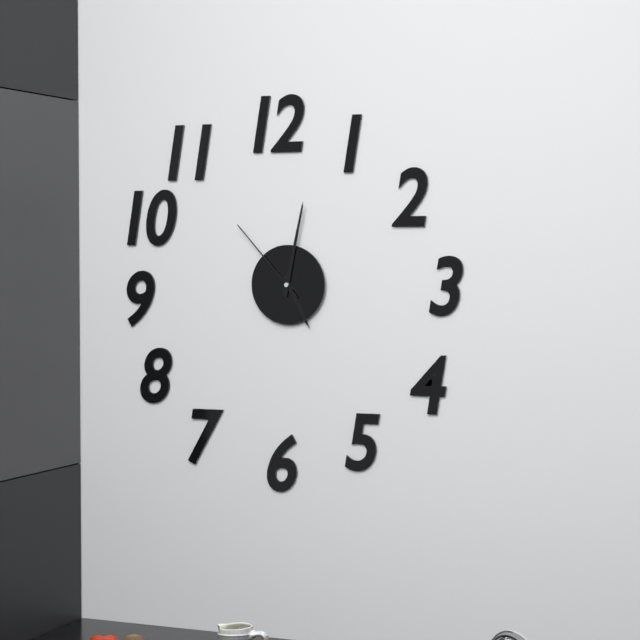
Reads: 5.02.53
